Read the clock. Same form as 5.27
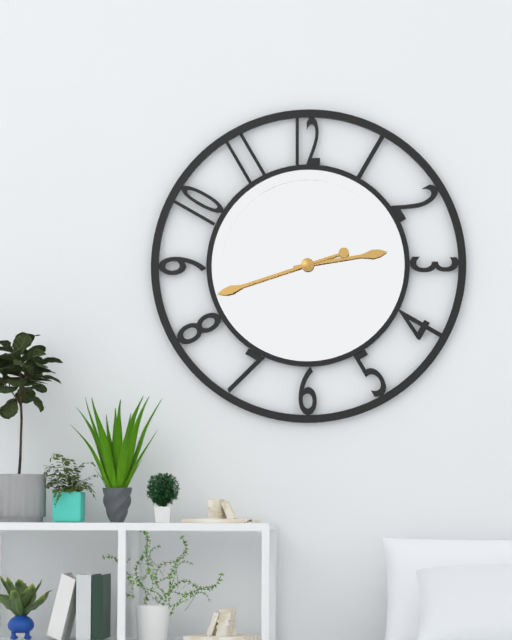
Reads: 2.42
